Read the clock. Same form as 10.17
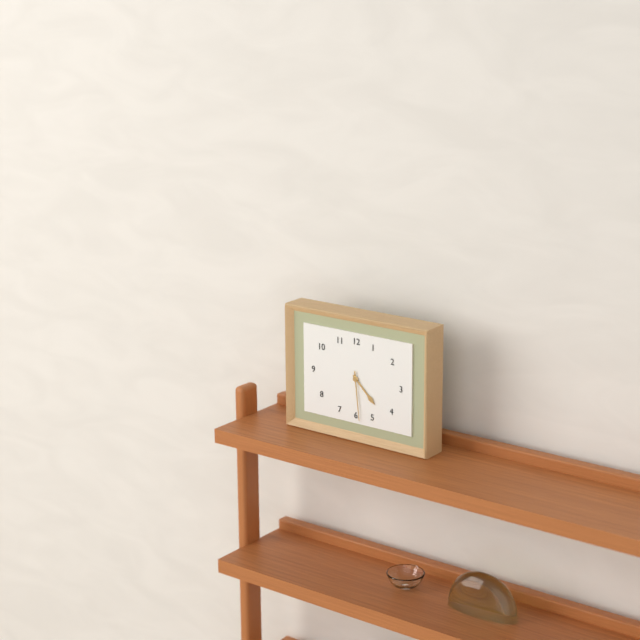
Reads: 4.29
